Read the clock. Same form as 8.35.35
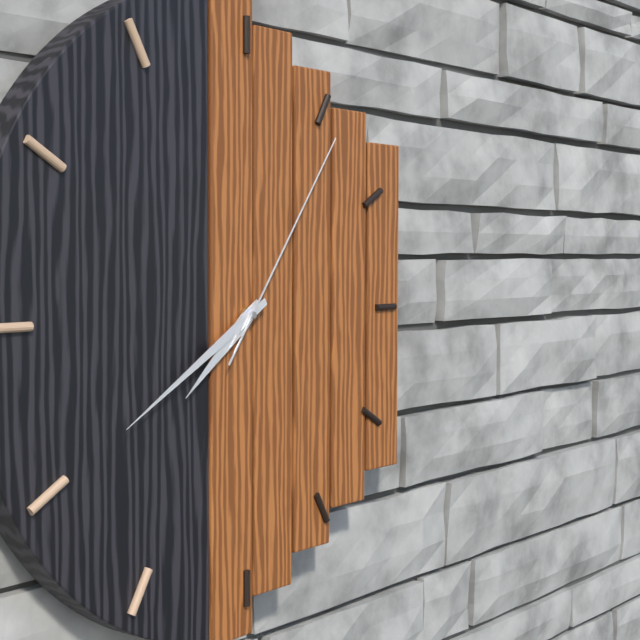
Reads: 7.40.06
